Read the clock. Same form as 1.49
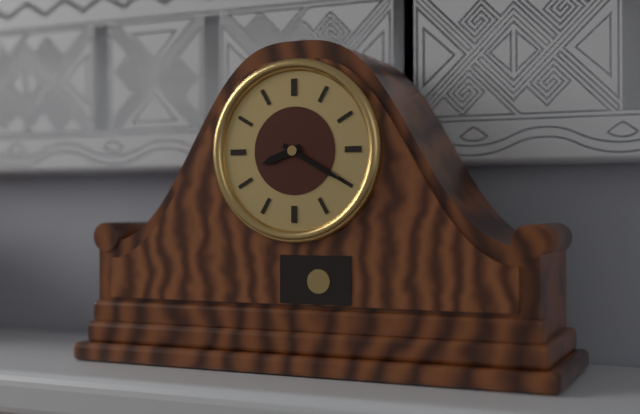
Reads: 8.20
